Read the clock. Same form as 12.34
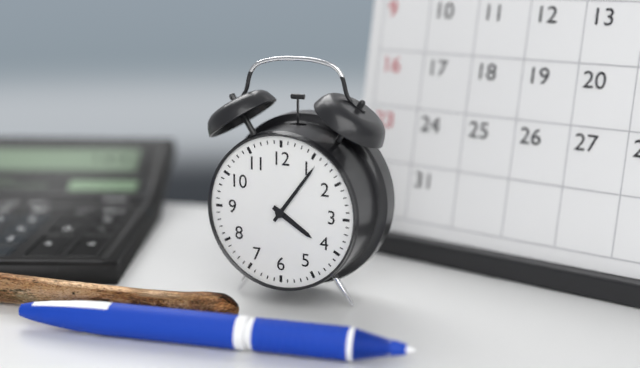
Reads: 4.06
